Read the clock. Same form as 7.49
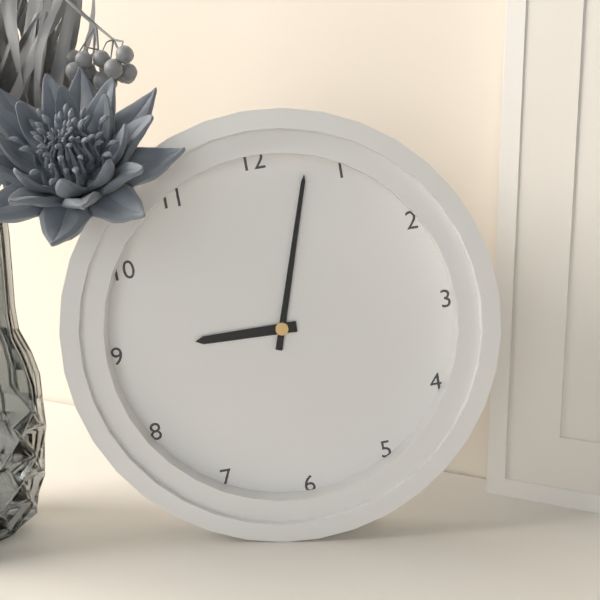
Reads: 9.03
